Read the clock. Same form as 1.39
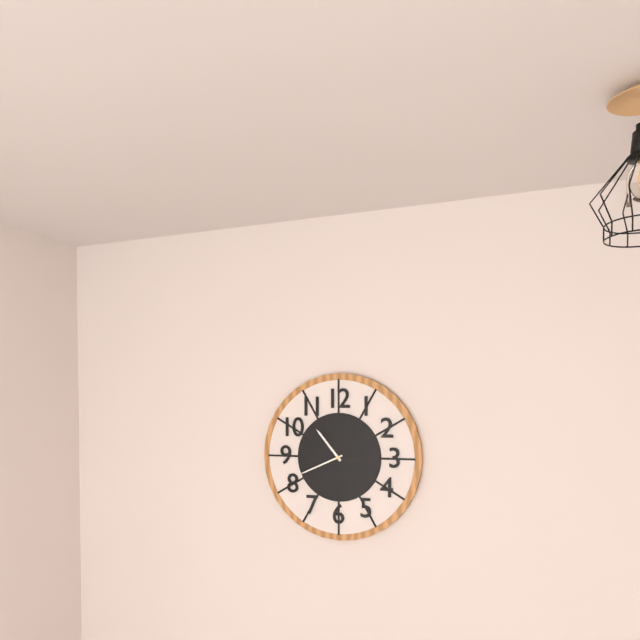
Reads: 10.41
